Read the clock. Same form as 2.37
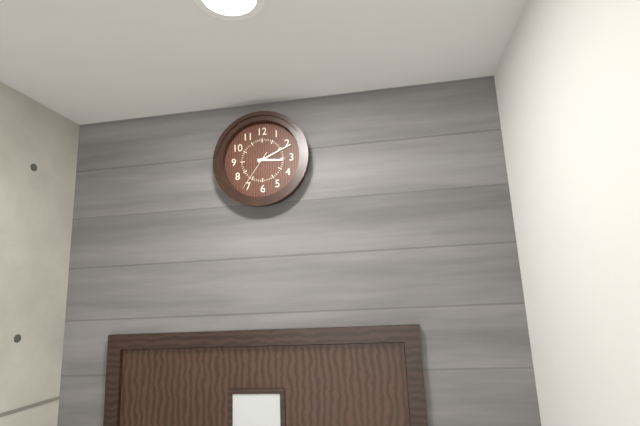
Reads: 3.11
